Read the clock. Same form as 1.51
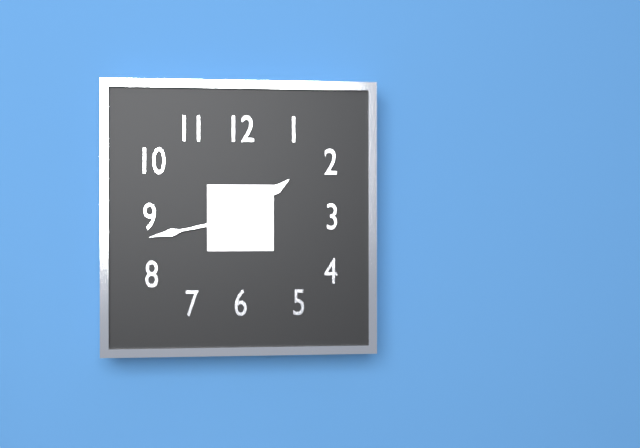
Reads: 1.43
